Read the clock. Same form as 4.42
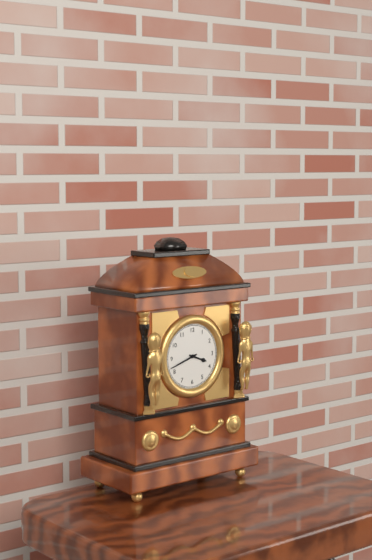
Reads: 3.42
